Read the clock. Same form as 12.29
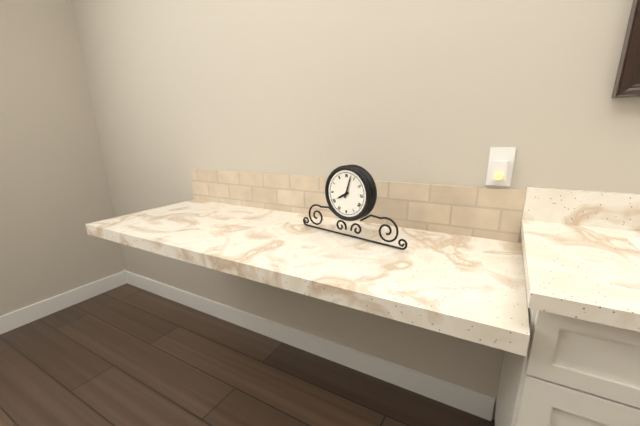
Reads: 8.03
